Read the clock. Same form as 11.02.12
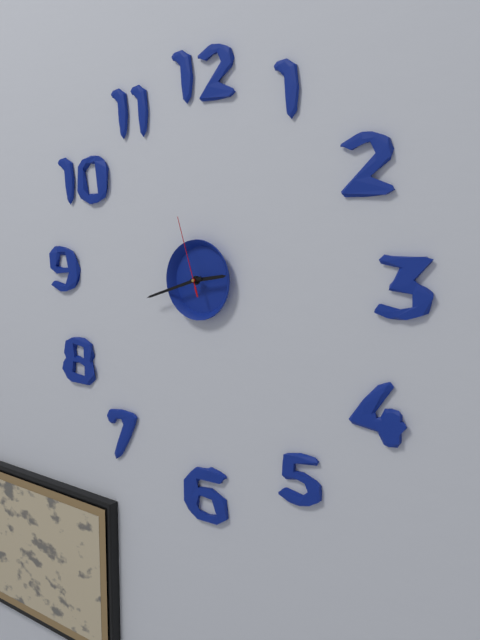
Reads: 2.42.57
